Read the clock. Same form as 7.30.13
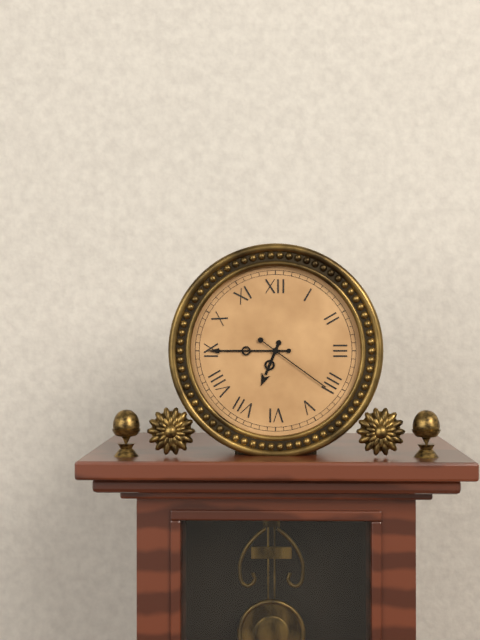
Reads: 6.45.21
